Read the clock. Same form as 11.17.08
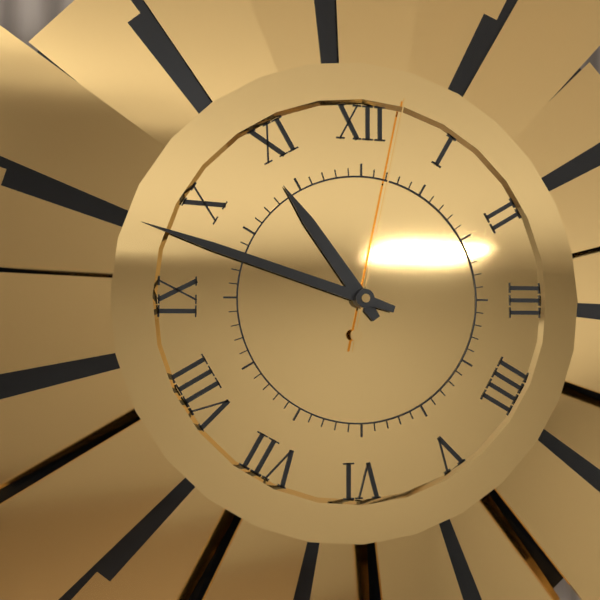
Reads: 10.48.02
